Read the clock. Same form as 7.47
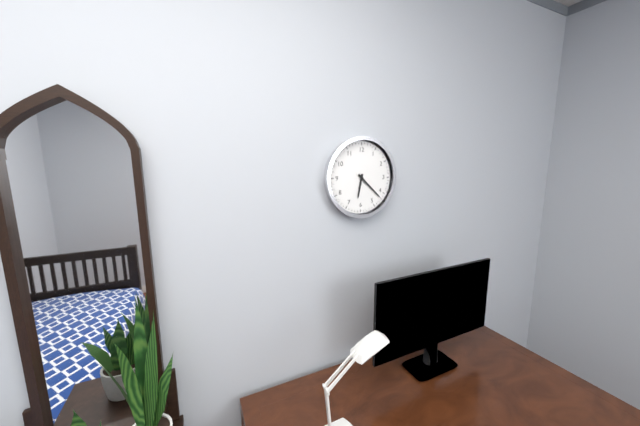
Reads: 6.22
